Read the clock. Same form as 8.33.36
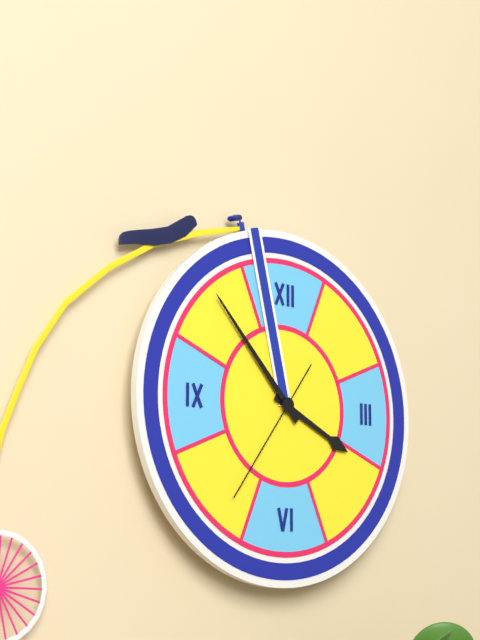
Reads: 3.53.36
